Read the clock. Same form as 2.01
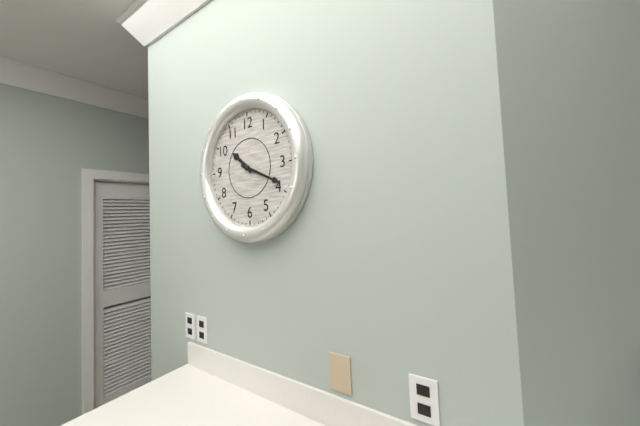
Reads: 10.19
